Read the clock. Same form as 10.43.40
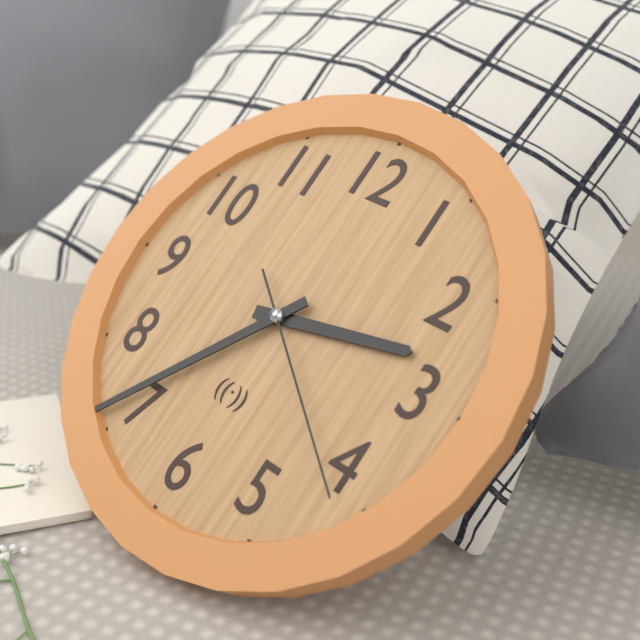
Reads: 2.36.21
